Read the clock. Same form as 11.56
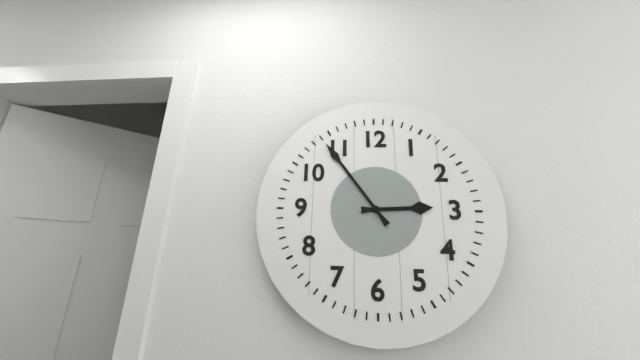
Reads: 2.54
